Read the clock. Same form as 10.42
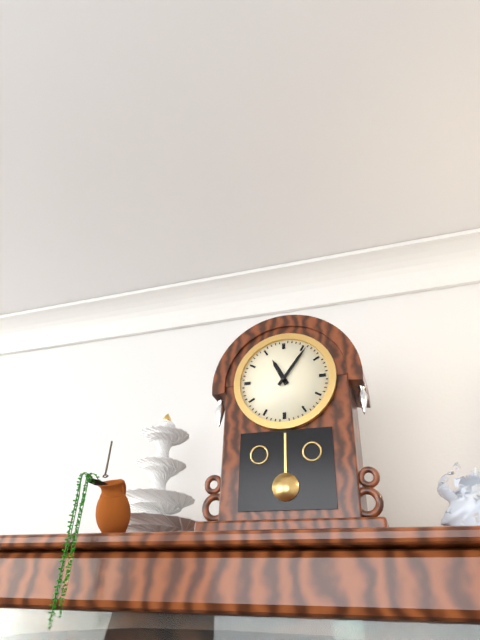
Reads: 11.06
